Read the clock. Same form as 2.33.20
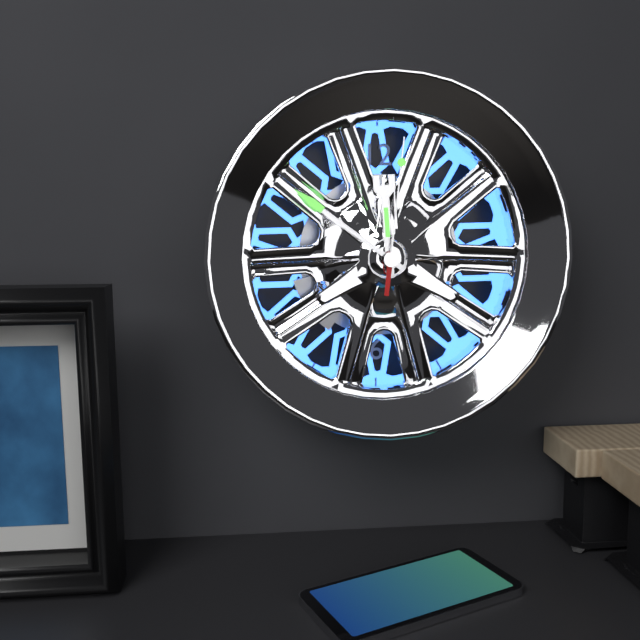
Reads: 11.51.01
